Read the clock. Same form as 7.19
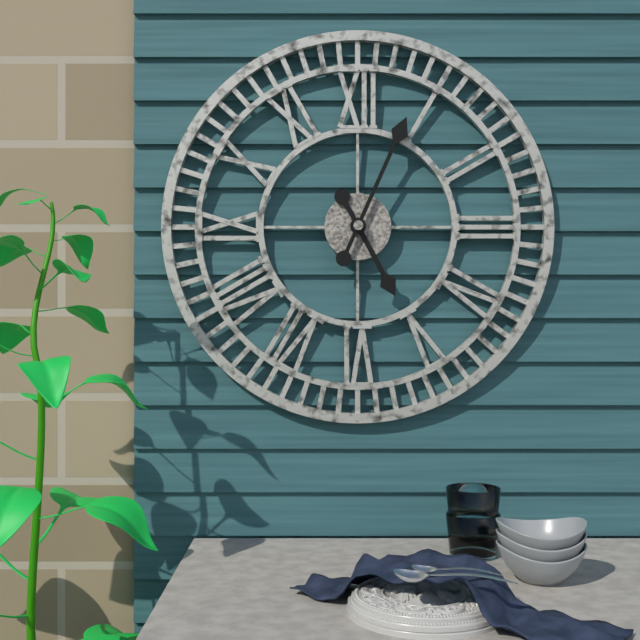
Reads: 5.04
